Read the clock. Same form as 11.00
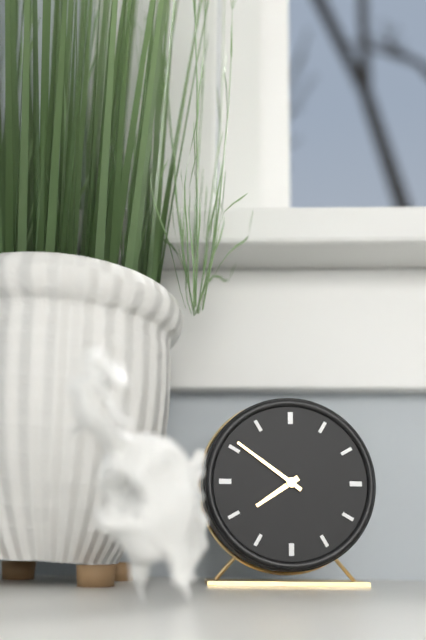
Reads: 7.51
